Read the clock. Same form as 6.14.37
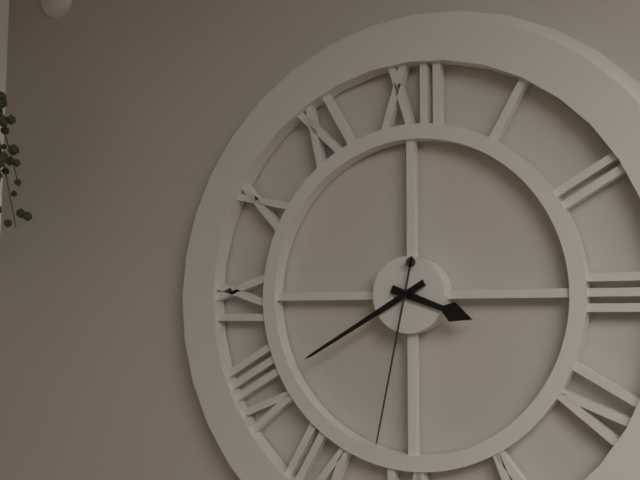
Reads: 3.40.32
